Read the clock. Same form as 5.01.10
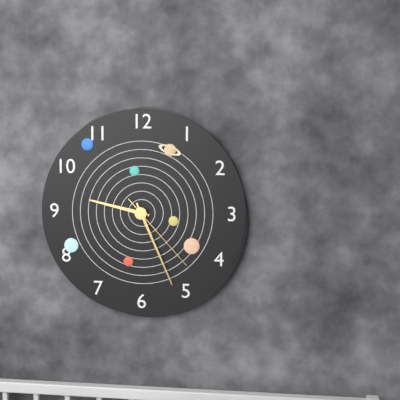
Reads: 9.26.23
